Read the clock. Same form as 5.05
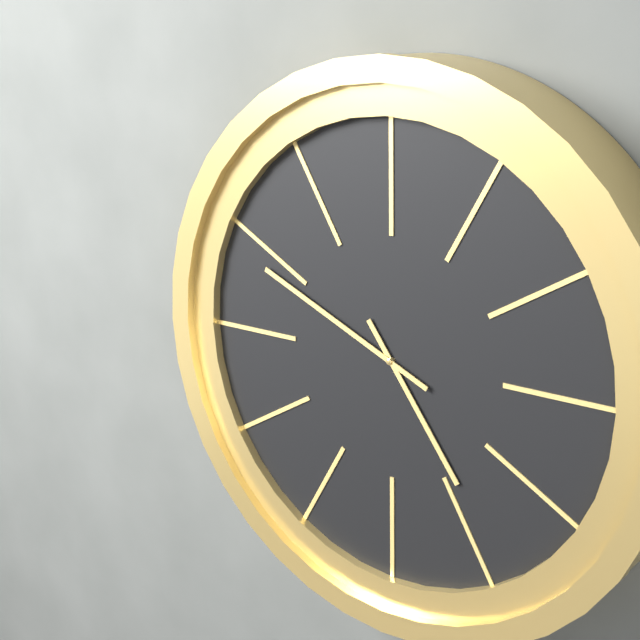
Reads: 4.49
